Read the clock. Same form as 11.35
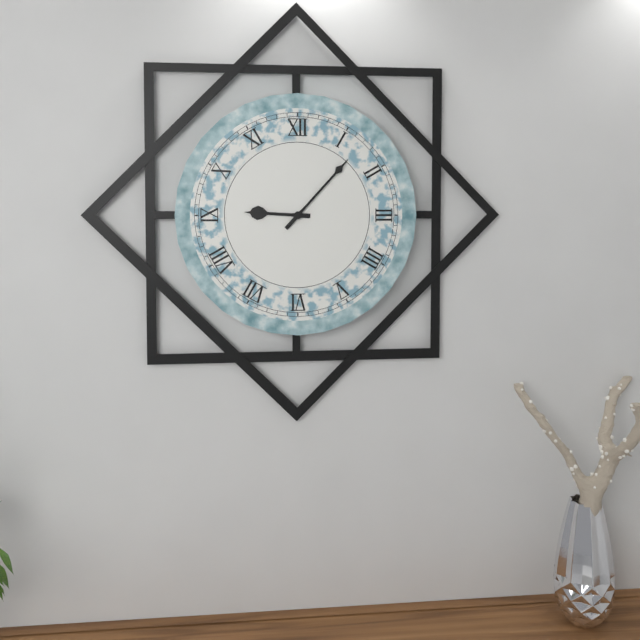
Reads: 9.07
